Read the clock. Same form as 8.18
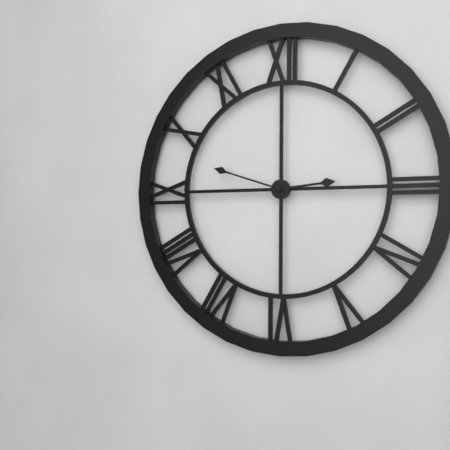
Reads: 2.48
